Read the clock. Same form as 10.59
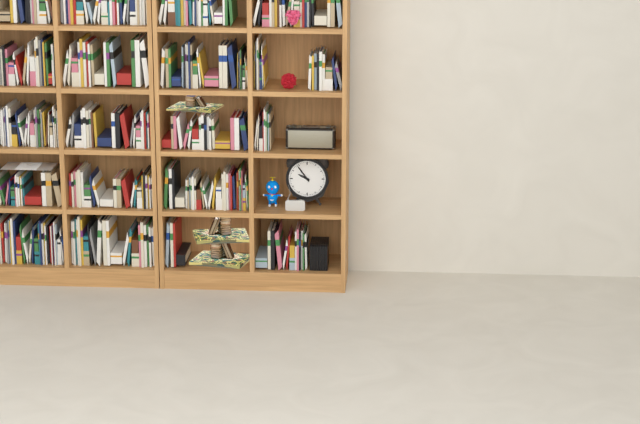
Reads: 9.54
